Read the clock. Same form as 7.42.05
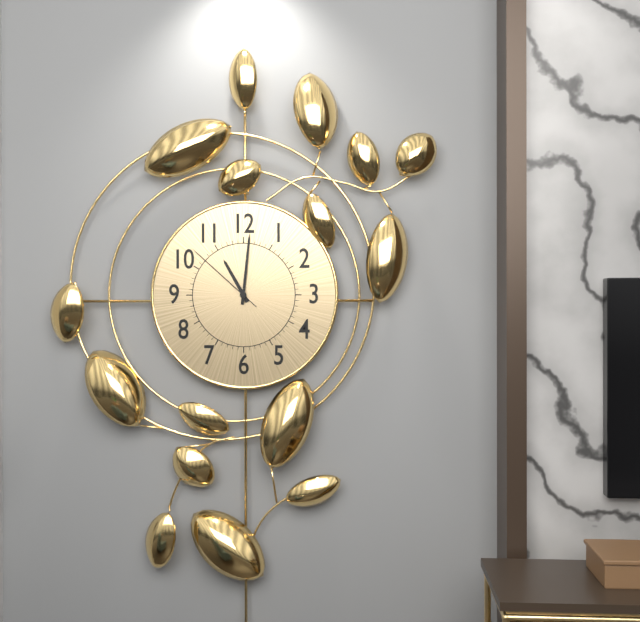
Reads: 11.01.52
